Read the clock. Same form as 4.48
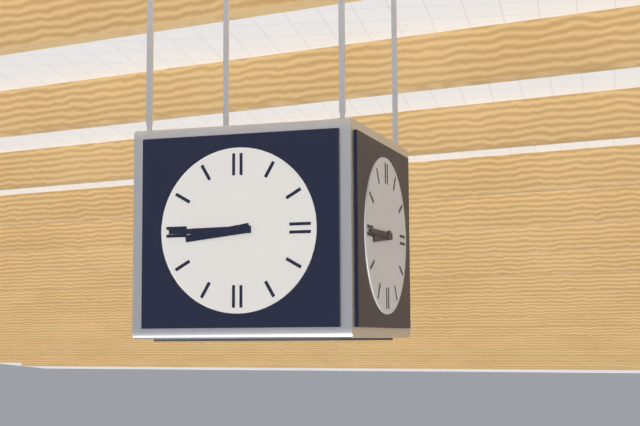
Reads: 8.45
